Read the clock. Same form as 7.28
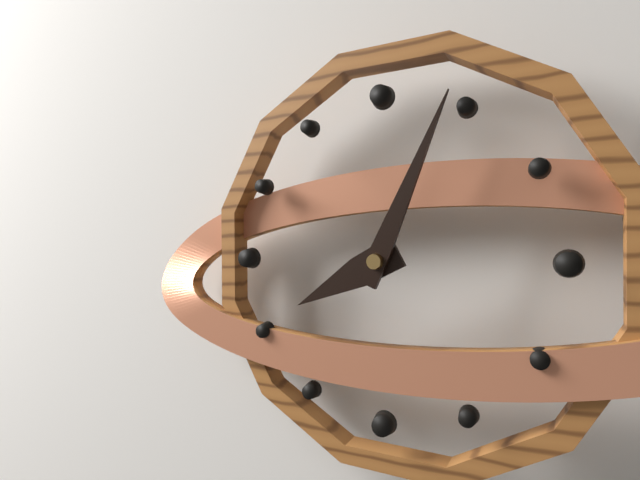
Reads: 8.04
